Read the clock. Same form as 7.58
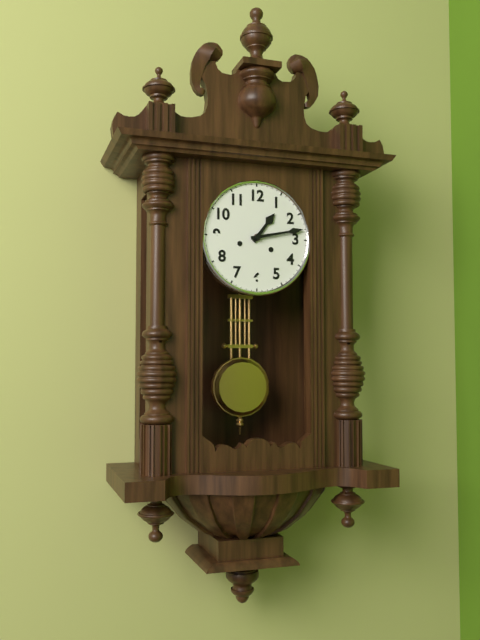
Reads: 1.13
